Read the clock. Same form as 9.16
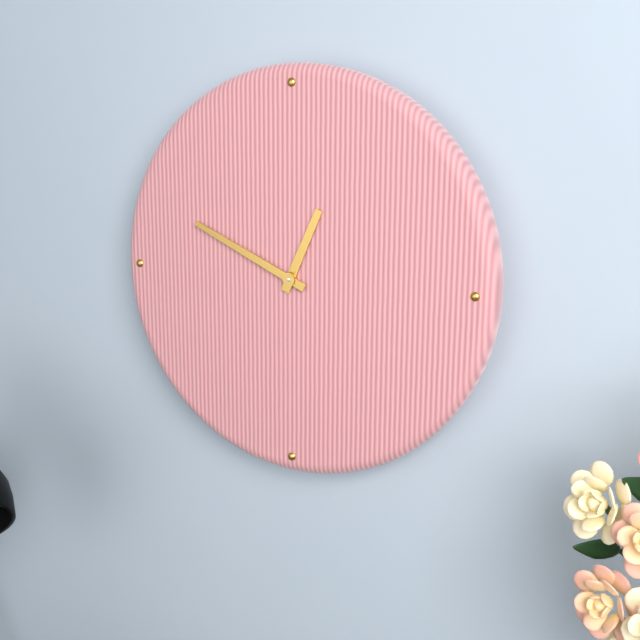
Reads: 12.49
